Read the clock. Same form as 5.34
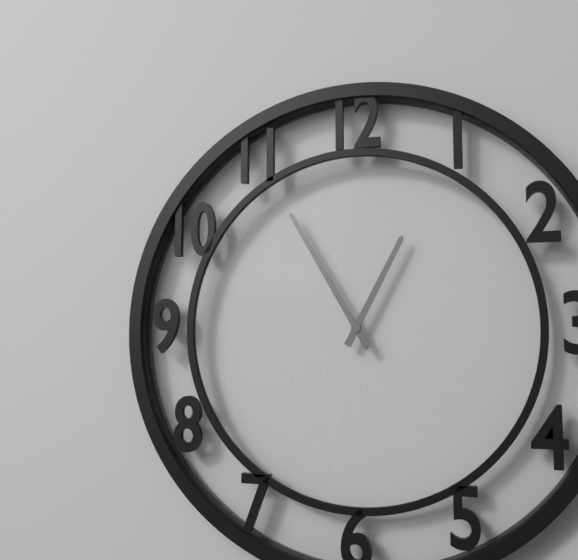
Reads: 12.55
